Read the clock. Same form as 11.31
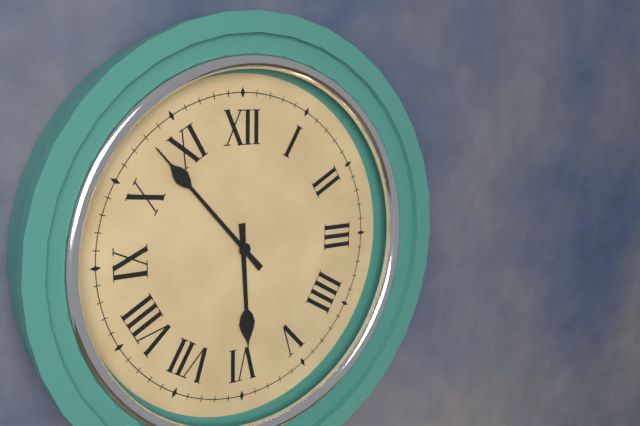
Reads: 5.53
